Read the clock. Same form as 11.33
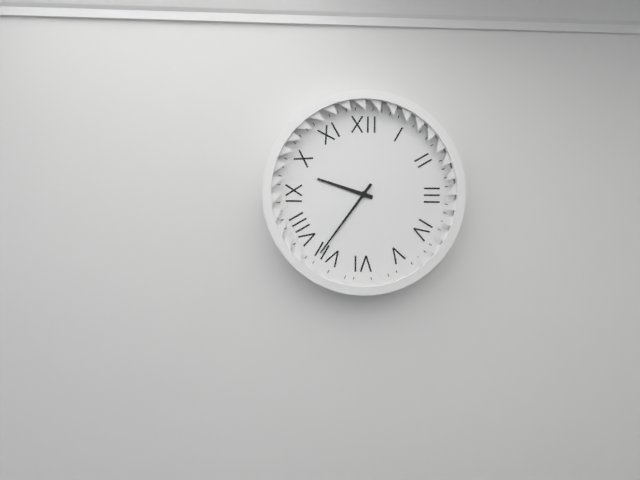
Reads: 9.36
